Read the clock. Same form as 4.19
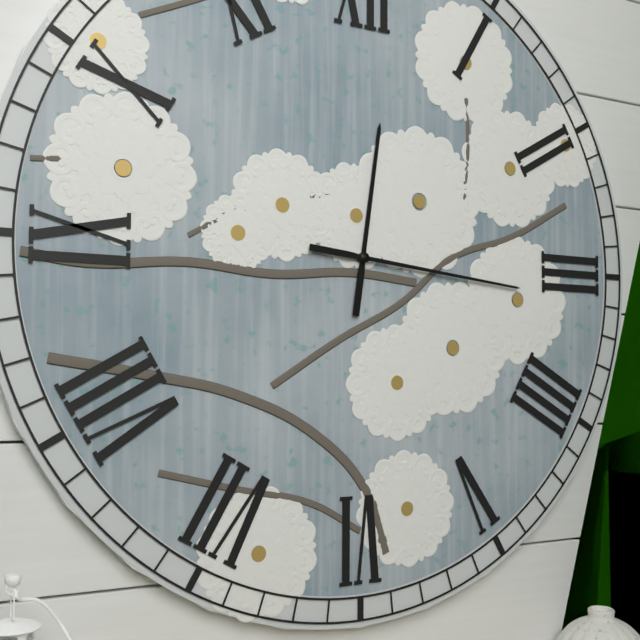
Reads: 12.16
